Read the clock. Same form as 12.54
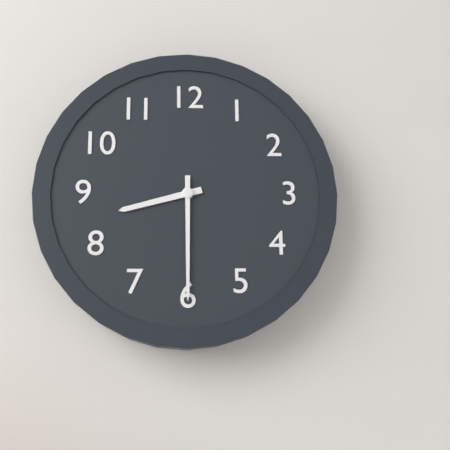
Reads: 8.30
